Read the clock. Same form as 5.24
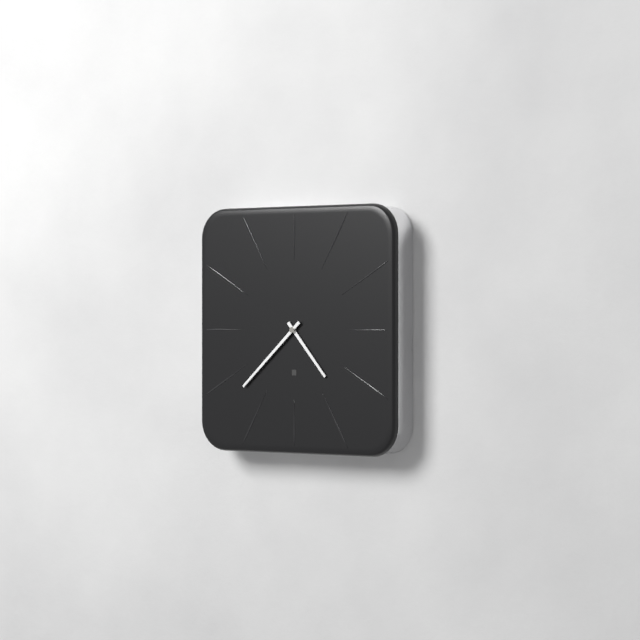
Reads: 4.38
